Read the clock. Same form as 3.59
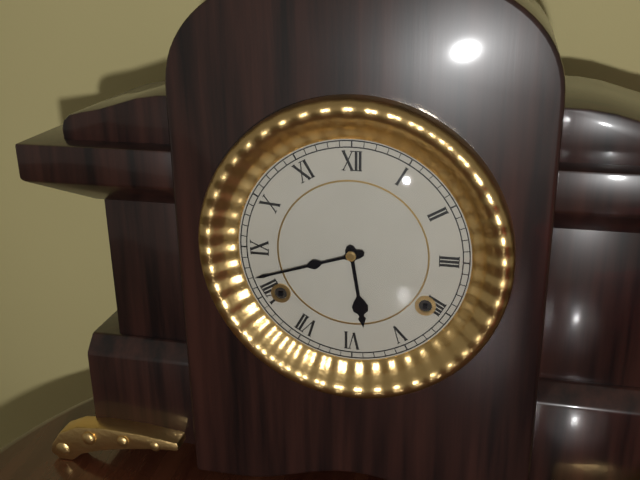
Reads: 5.42
